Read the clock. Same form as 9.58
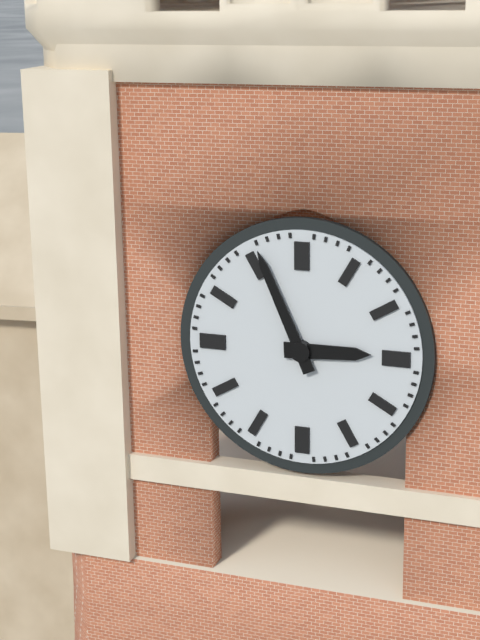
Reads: 2.56
